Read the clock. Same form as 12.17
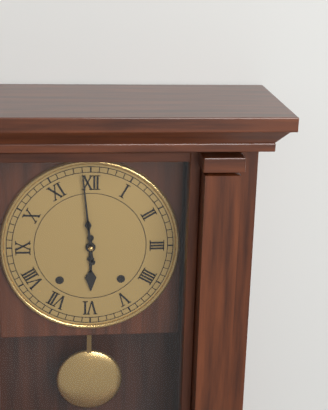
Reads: 5.59
